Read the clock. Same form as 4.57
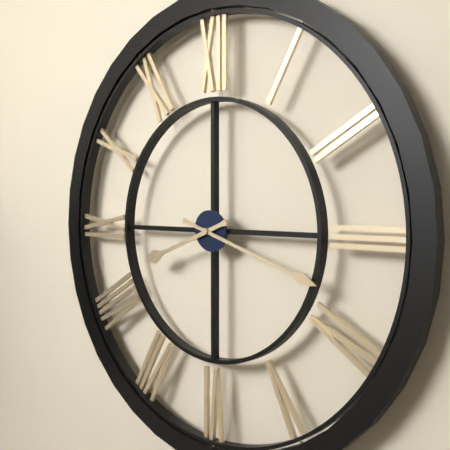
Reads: 8.18
